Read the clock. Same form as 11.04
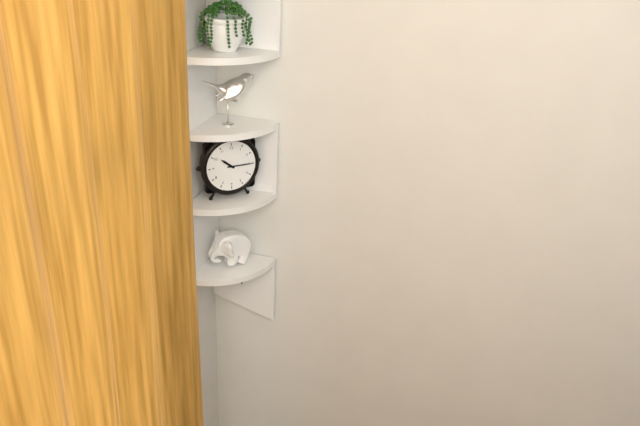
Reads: 10.15
